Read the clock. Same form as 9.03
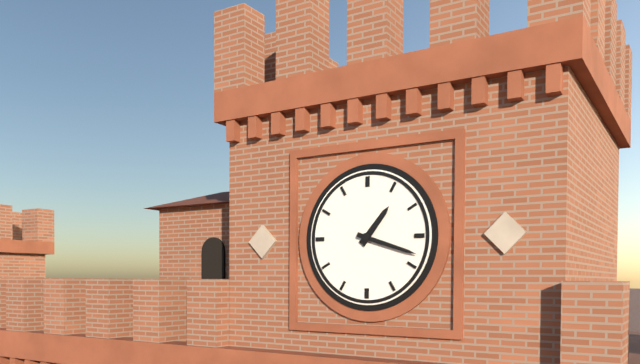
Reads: 1.18
